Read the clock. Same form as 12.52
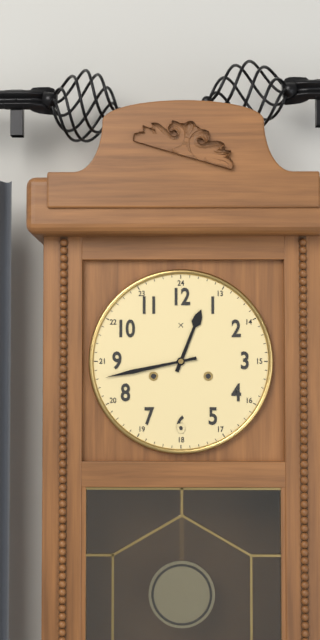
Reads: 12.43
